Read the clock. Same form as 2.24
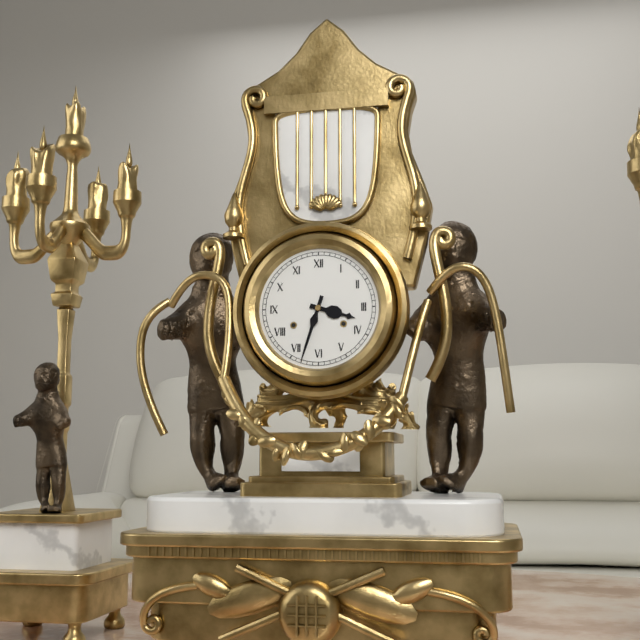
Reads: 3.33
